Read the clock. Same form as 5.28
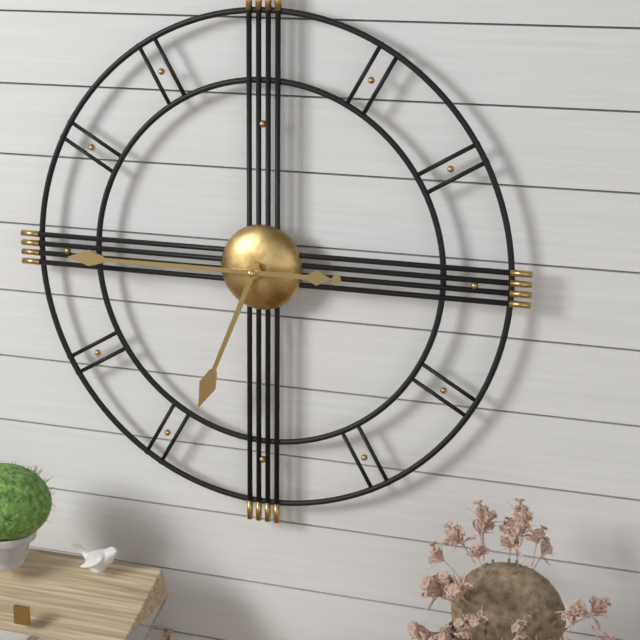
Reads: 6.45
